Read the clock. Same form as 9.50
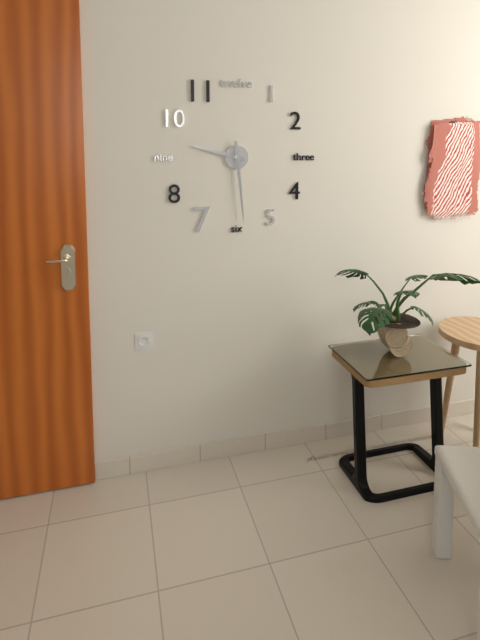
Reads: 9.29
